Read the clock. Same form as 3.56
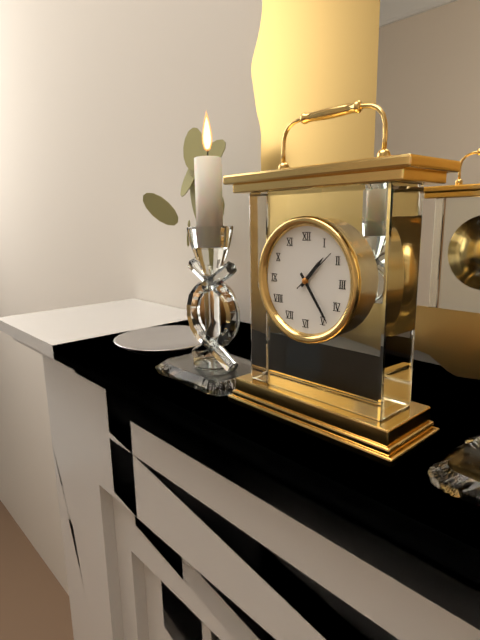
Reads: 1.24
